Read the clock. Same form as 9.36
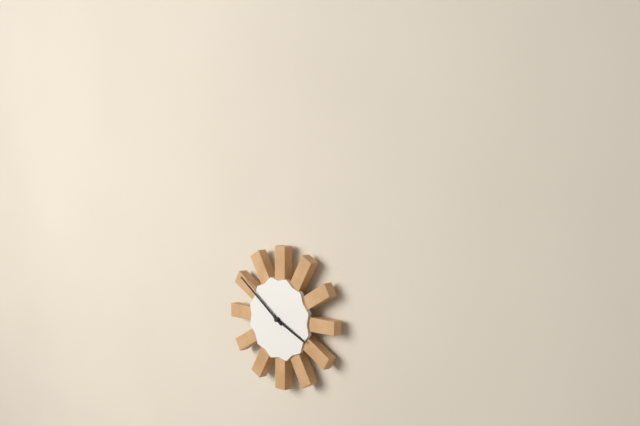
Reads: 3.51
